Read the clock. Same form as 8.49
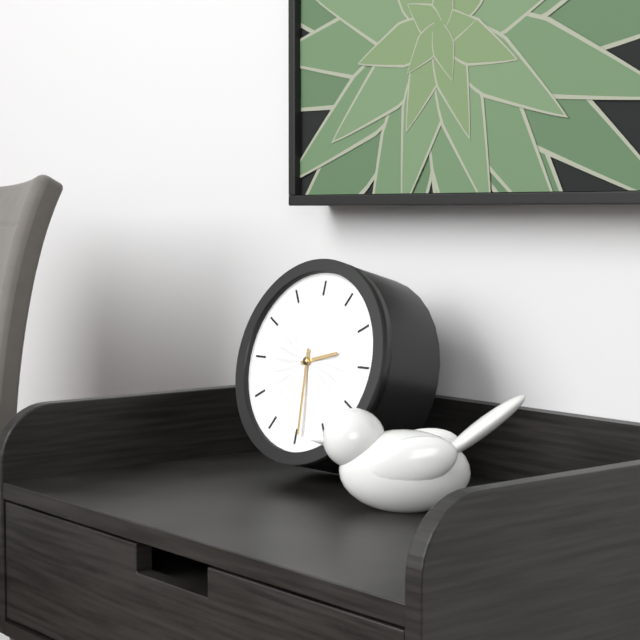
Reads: 2.29
